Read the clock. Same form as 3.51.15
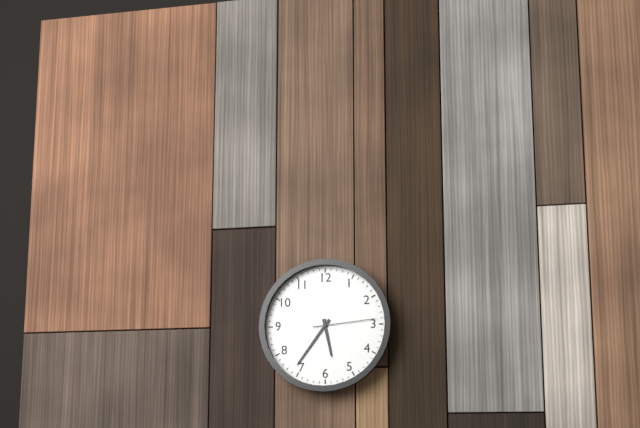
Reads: 5.36.14
